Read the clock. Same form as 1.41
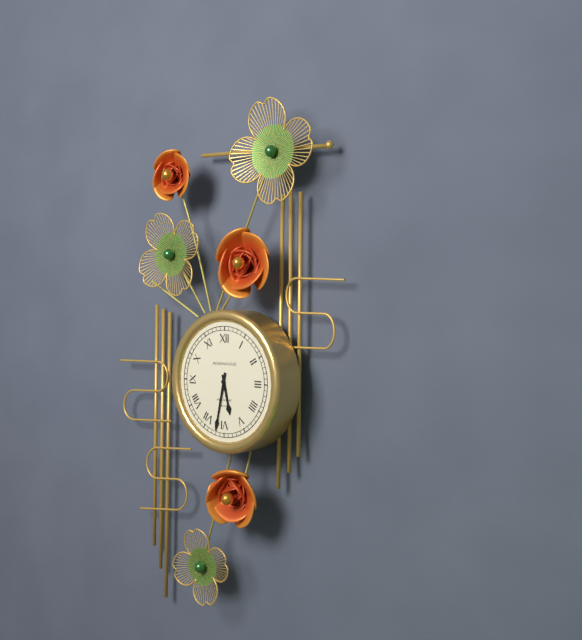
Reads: 5.32
